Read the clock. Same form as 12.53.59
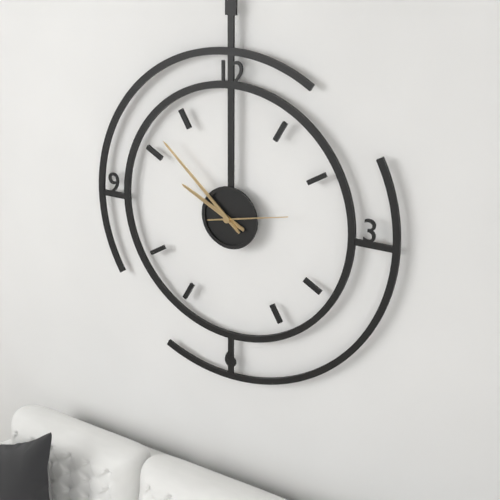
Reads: 9.52.13
